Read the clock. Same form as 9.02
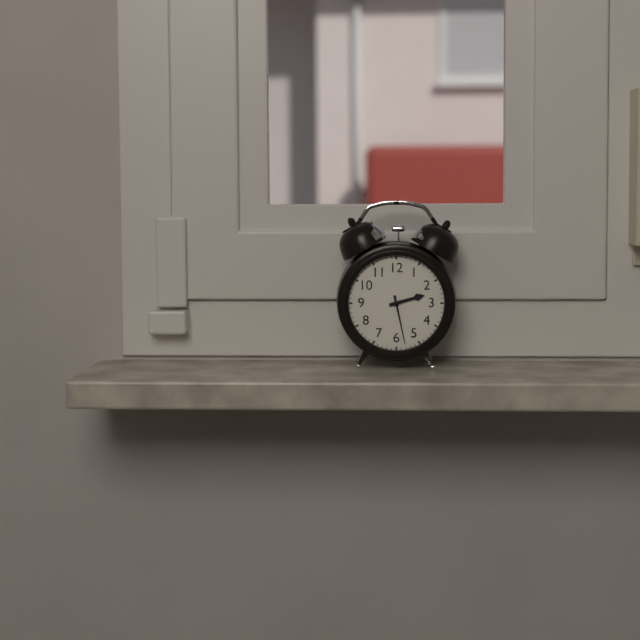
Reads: 2.28
